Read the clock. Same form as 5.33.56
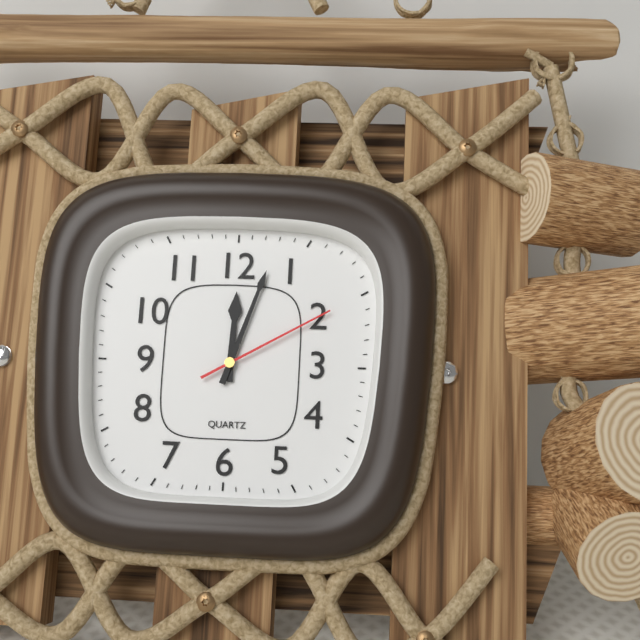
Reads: 12.03.10
